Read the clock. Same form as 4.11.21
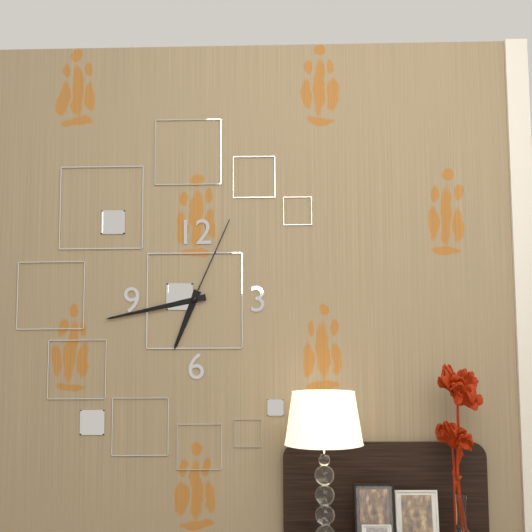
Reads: 6.43.04
